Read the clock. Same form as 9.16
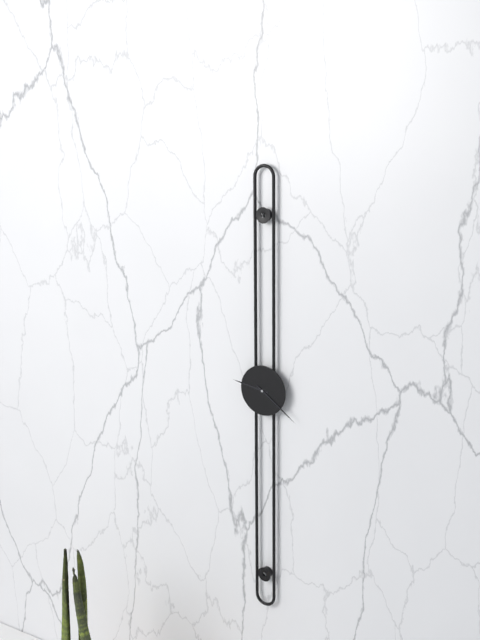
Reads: 9.21
